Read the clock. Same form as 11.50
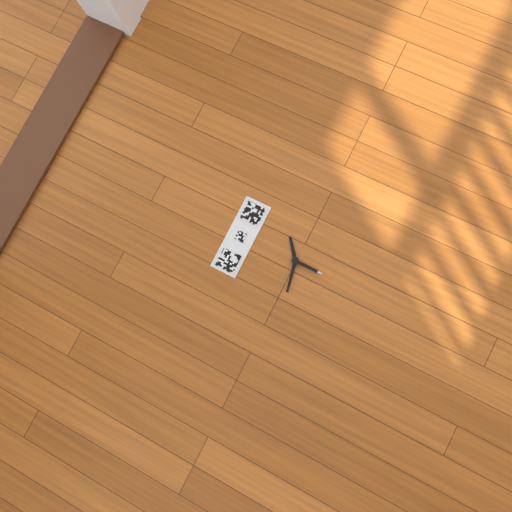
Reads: 1.43
